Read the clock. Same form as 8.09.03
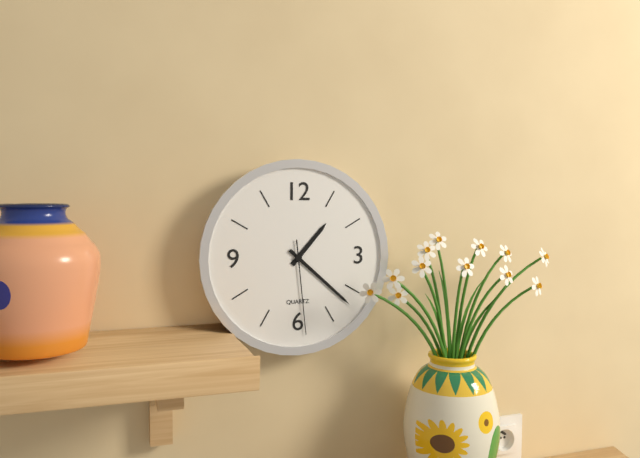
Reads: 1.22.29
